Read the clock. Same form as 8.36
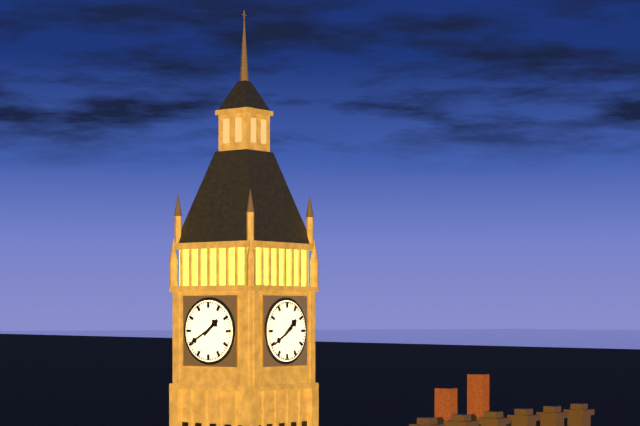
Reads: 1.40
